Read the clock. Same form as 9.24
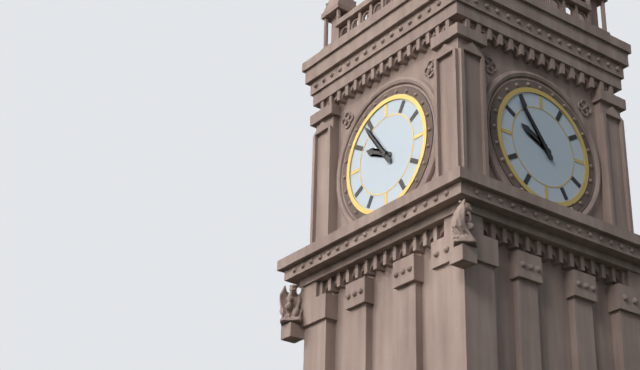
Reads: 9.54
